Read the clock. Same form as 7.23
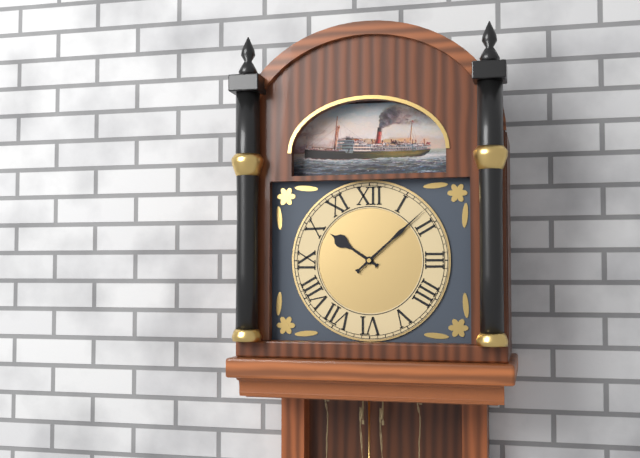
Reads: 10.08
